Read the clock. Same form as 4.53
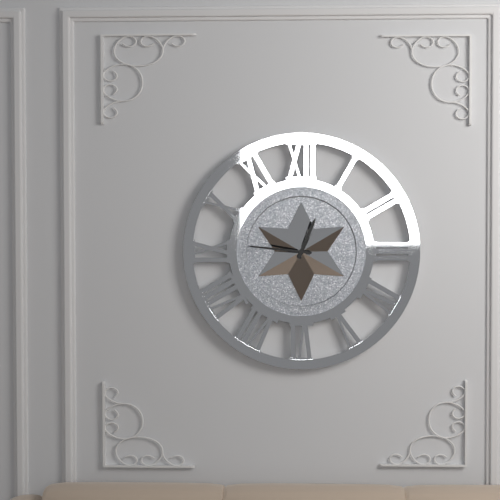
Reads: 12.46
